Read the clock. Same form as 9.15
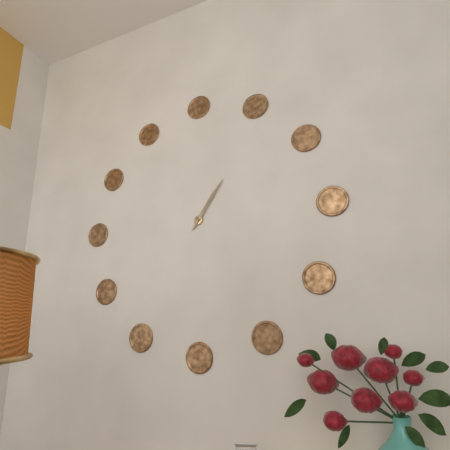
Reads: 1.06
